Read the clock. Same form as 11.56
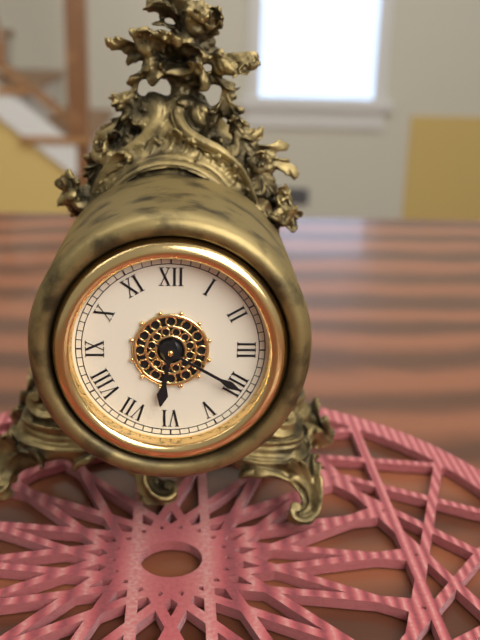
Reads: 6.20
